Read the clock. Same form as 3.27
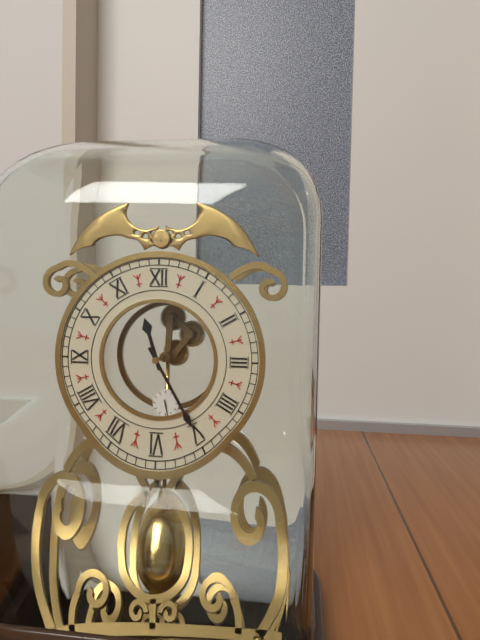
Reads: 11.25
